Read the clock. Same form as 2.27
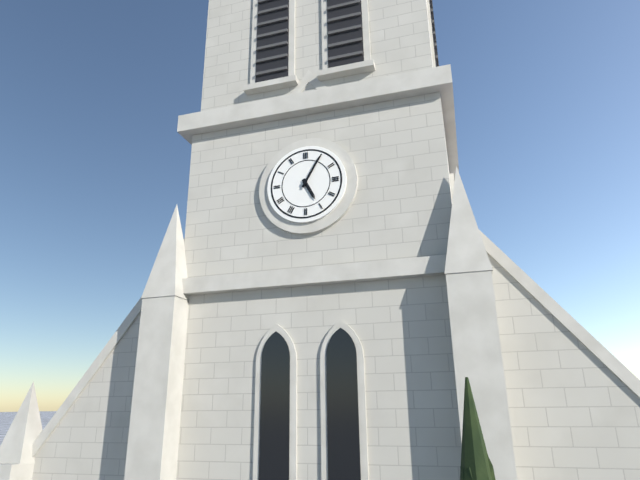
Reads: 5.05
